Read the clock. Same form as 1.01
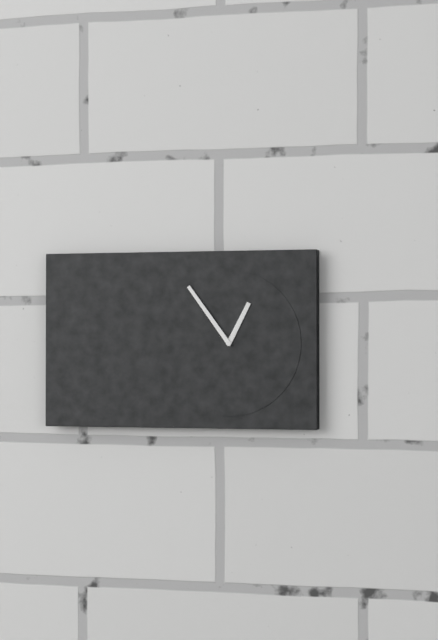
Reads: 12.54
